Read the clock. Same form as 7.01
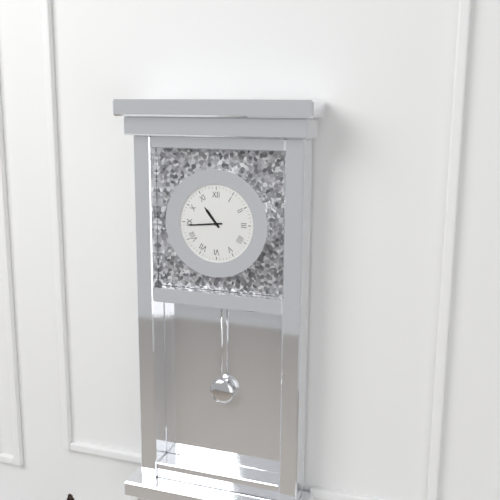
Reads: 10.44
